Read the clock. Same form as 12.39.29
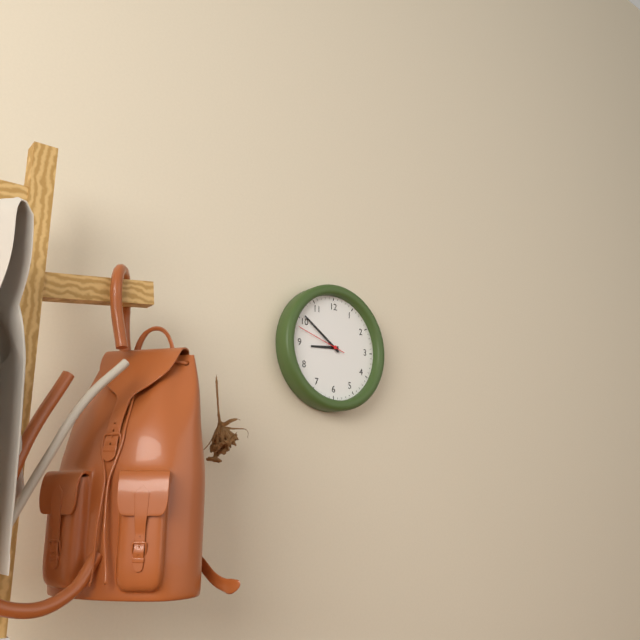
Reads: 8.51.48
